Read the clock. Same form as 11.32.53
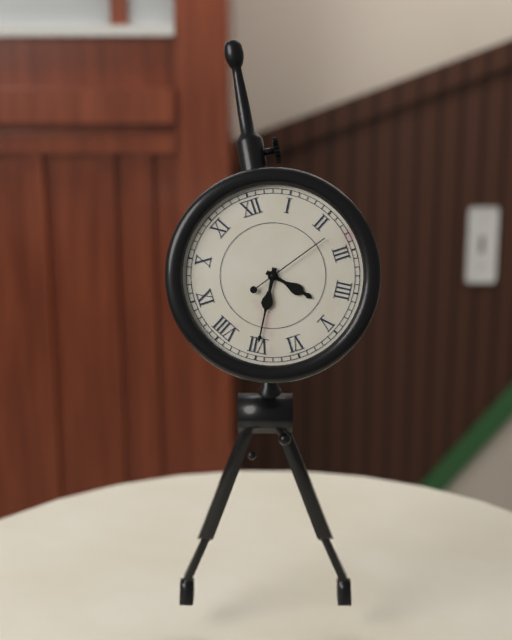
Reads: 4.35.12
